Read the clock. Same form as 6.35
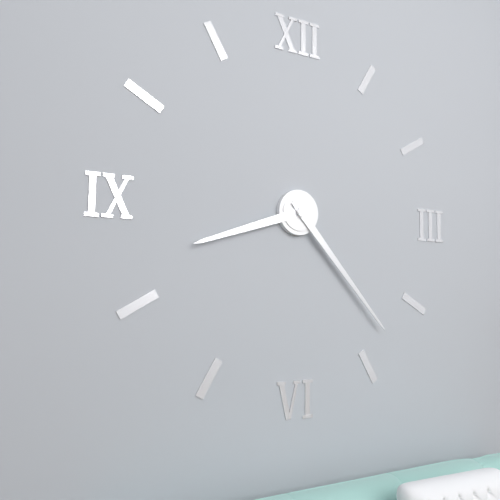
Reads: 8.23
